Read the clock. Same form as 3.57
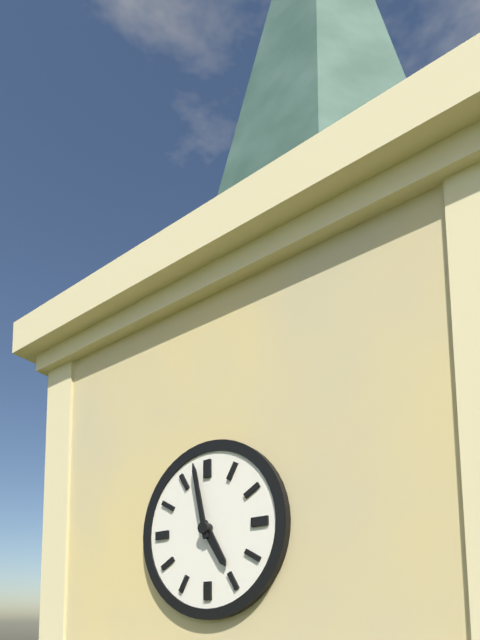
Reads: 4.58
